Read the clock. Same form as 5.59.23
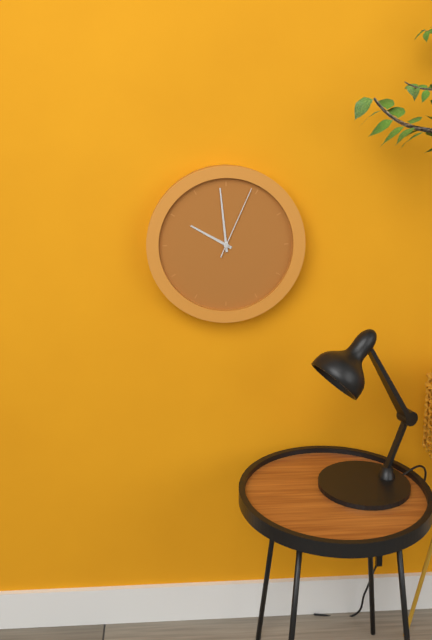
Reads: 9.59.04
